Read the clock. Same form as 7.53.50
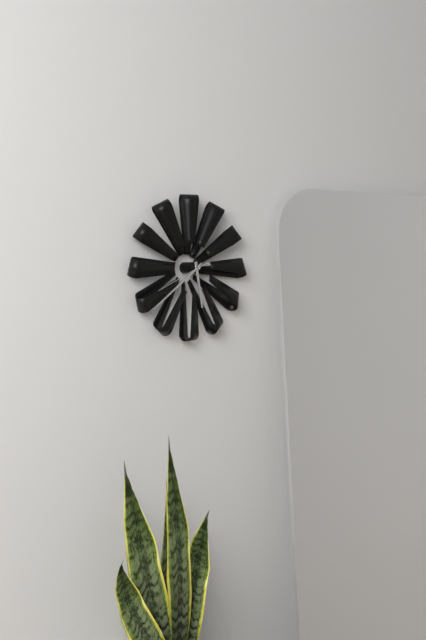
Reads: 5.39.41
